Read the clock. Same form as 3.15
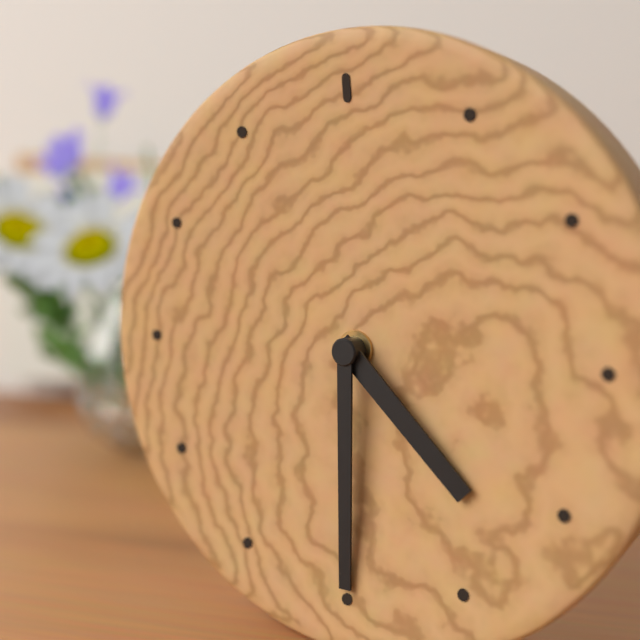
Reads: 4.30
